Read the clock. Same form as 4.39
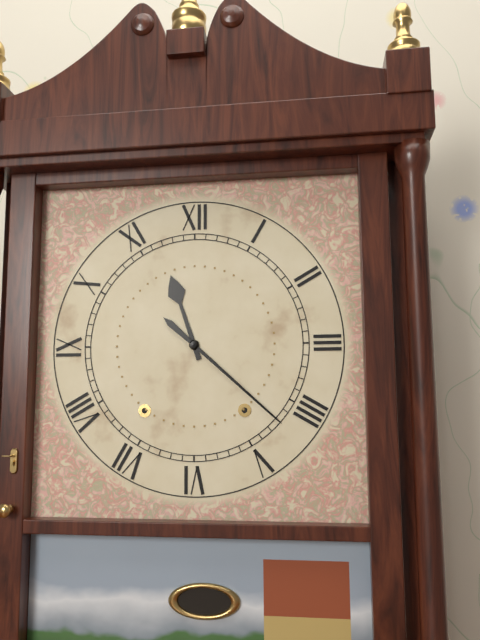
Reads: 11.22
